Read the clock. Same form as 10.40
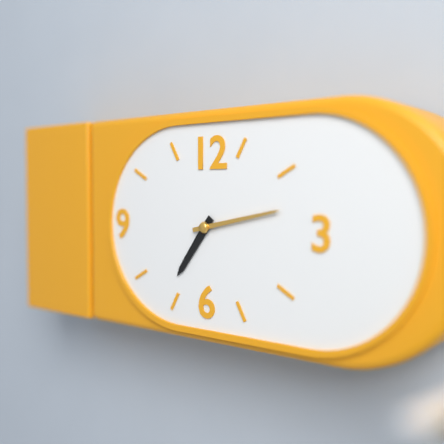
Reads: 7.13
